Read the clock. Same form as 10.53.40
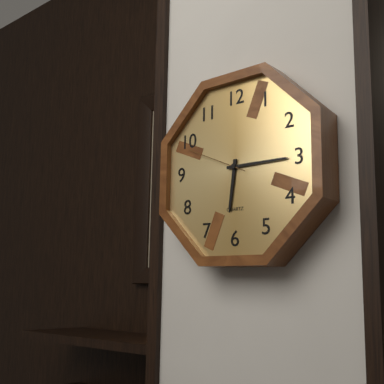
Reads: 6.15.49
